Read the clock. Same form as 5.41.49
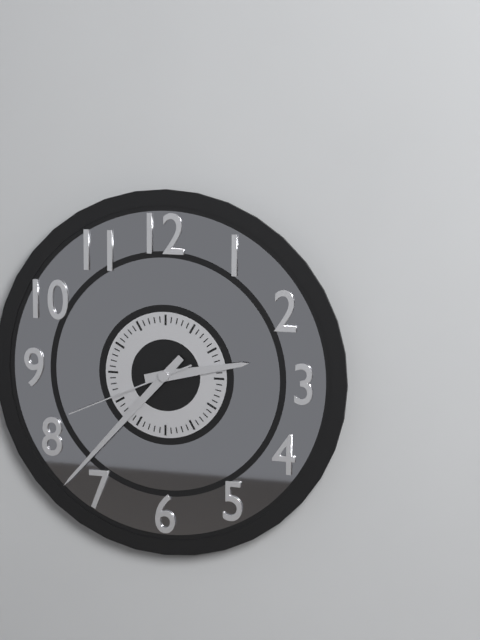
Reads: 2.37.41
